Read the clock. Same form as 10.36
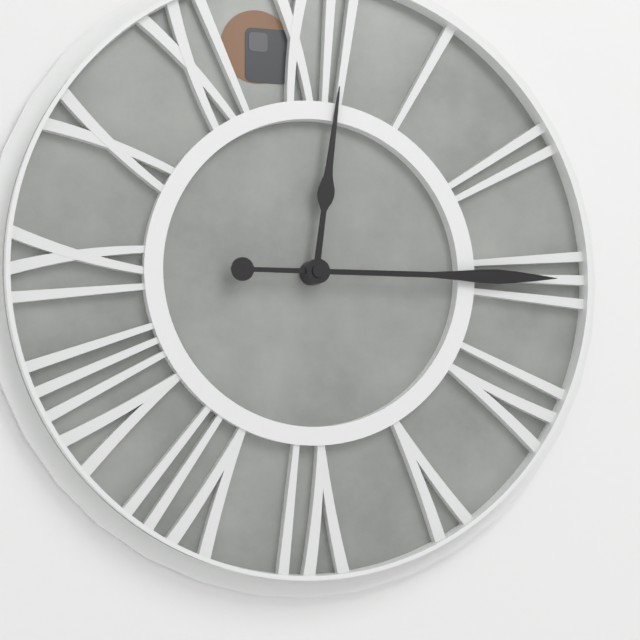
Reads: 12.15
